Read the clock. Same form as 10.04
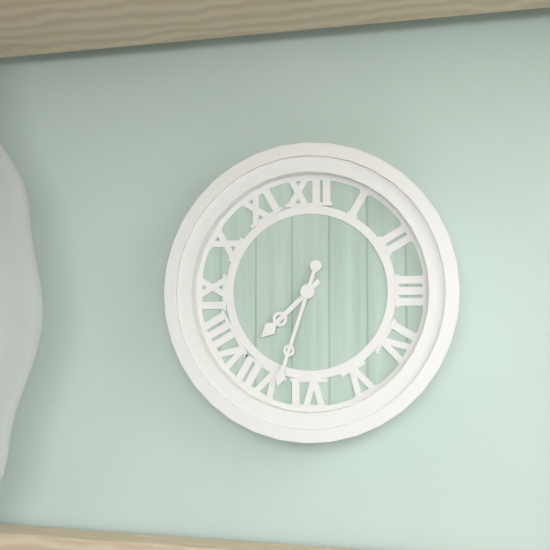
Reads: 7.33
